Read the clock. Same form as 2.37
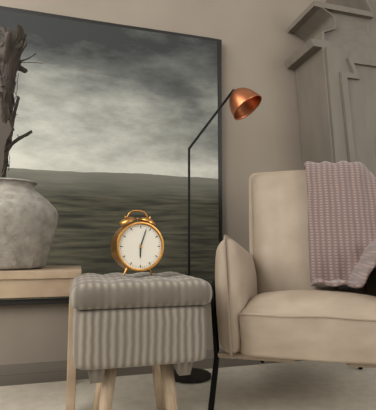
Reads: 6.03
